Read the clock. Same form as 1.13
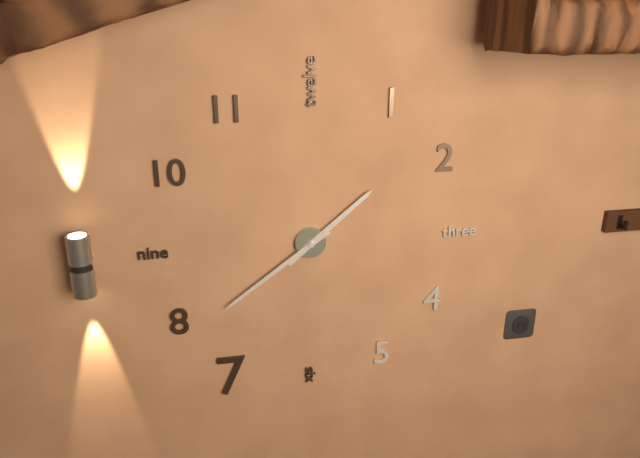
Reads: 1.39
